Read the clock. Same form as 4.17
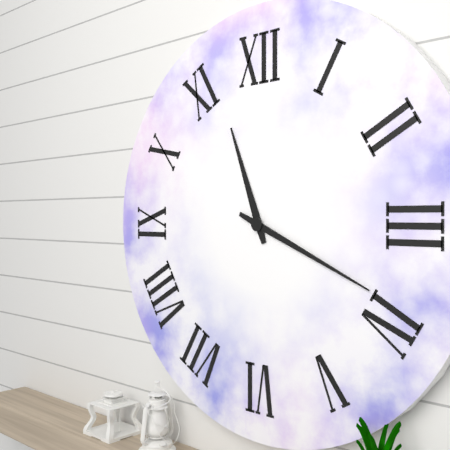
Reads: 11.19
